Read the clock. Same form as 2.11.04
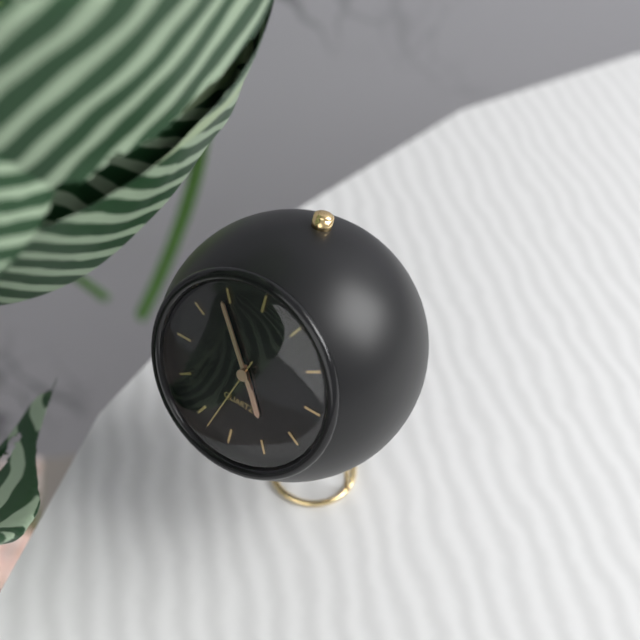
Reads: 4.54.33
